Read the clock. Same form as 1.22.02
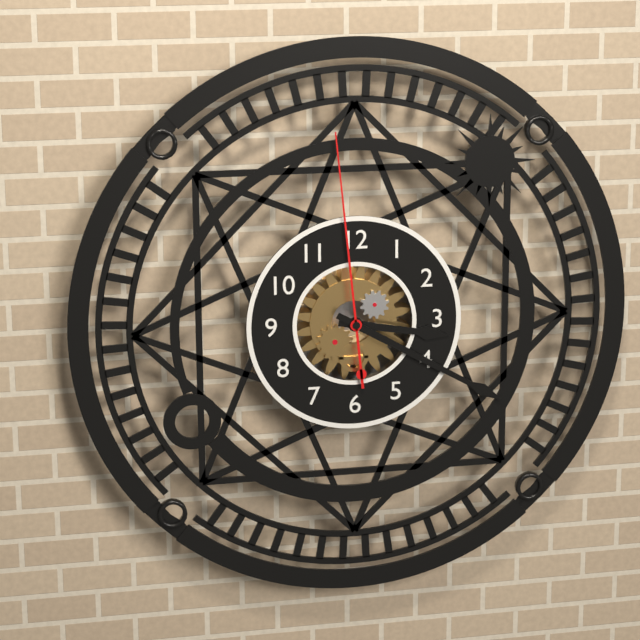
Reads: 3.20.59
